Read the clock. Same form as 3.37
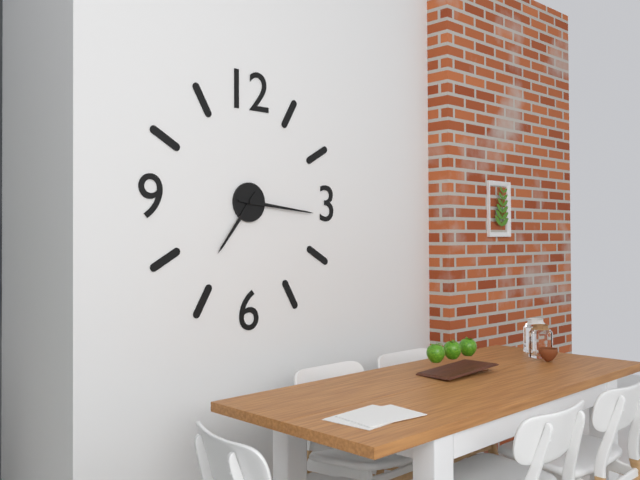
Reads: 7.16
